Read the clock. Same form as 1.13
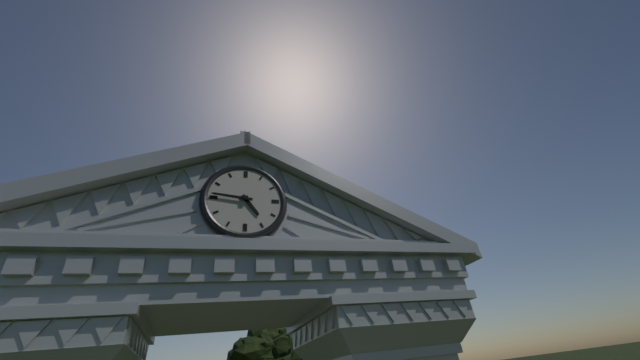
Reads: 4.46
